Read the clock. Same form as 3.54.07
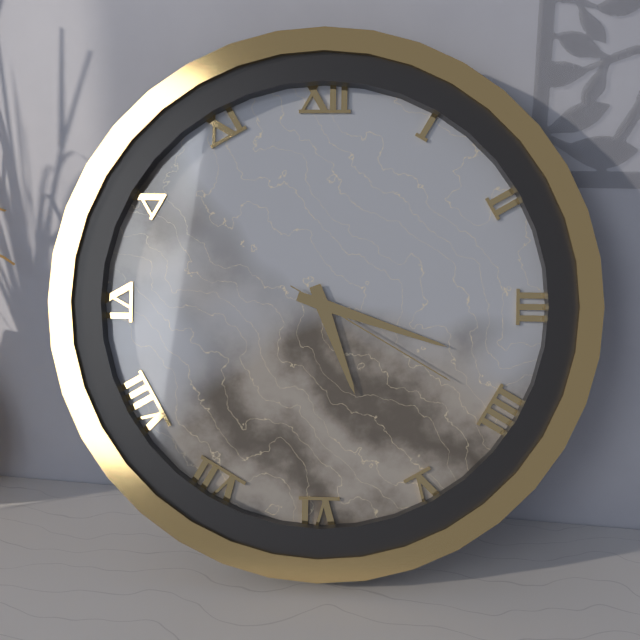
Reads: 5.18.20
